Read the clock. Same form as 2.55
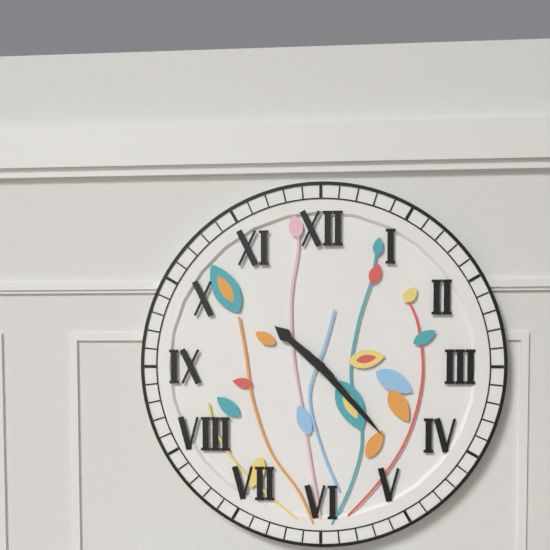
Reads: 10.23
